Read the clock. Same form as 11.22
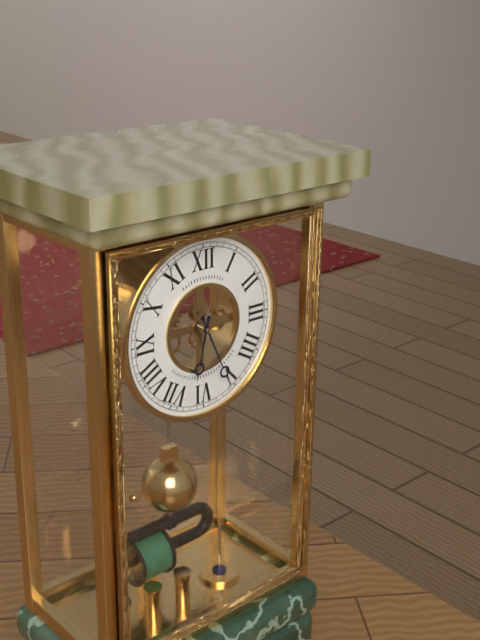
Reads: 6.26
